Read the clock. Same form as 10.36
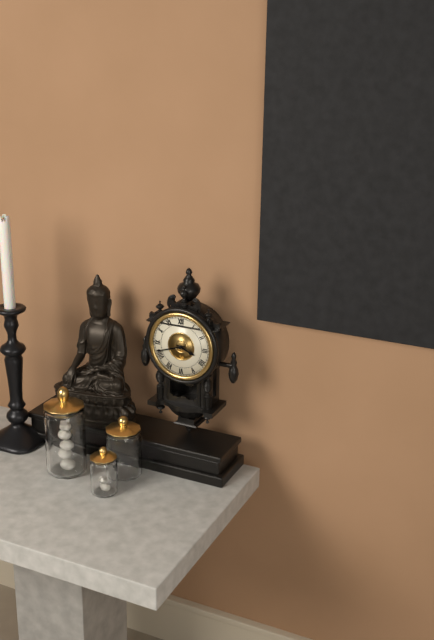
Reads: 3.42
